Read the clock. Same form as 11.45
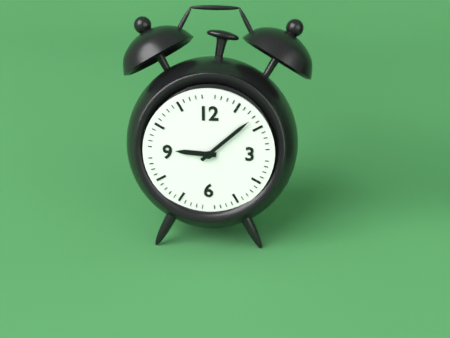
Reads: 9.08
